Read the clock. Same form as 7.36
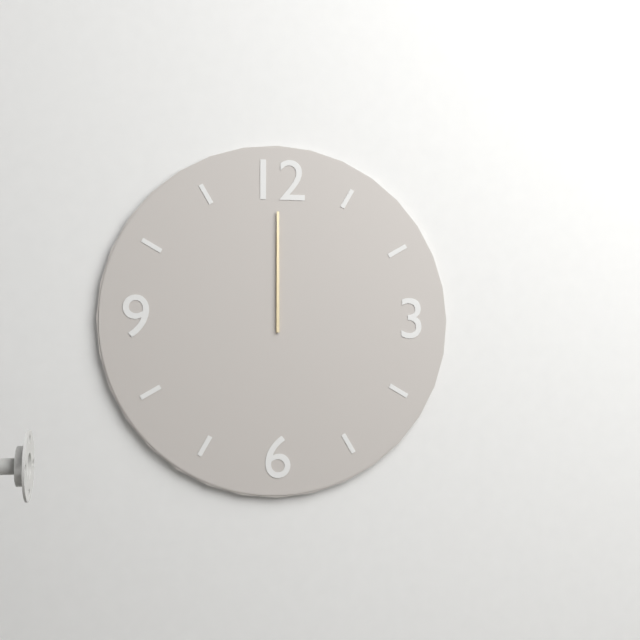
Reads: 12.00
